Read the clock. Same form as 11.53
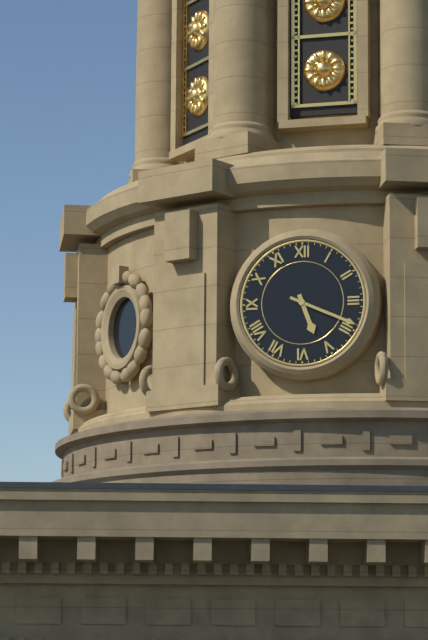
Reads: 5.19
